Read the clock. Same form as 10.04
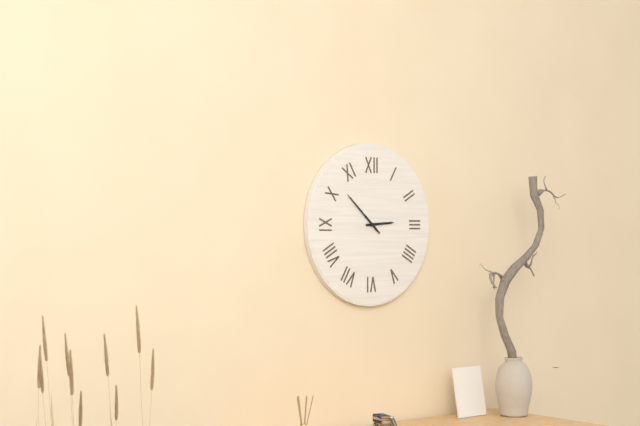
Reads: 2.52
